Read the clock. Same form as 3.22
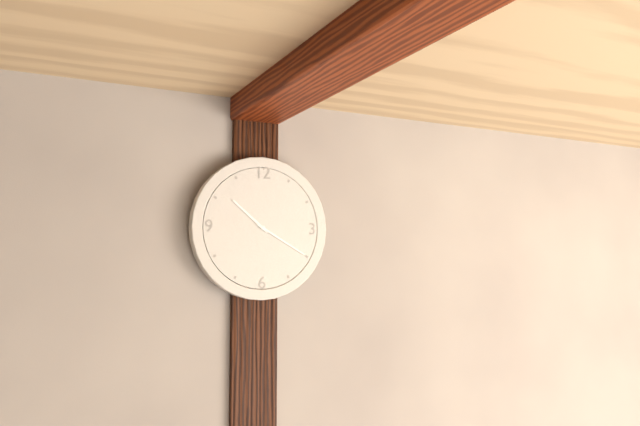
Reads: 10.20
